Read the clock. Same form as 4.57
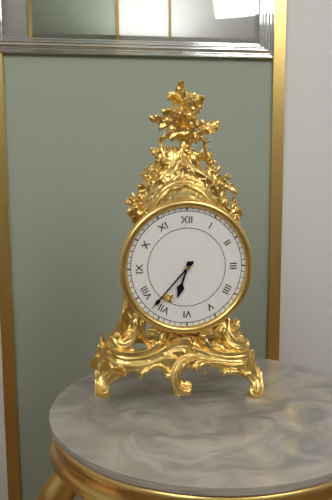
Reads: 6.37
